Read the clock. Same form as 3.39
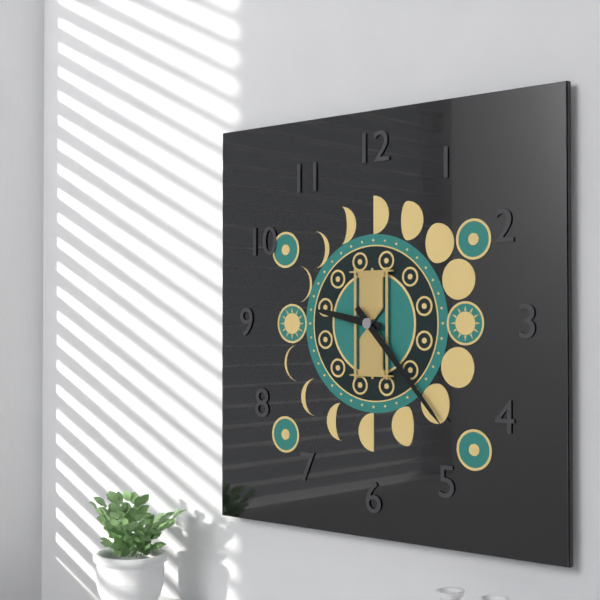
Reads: 9.23
